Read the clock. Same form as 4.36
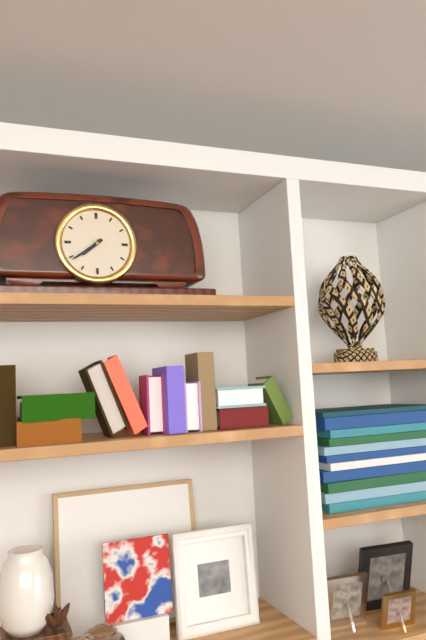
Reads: 7.39
